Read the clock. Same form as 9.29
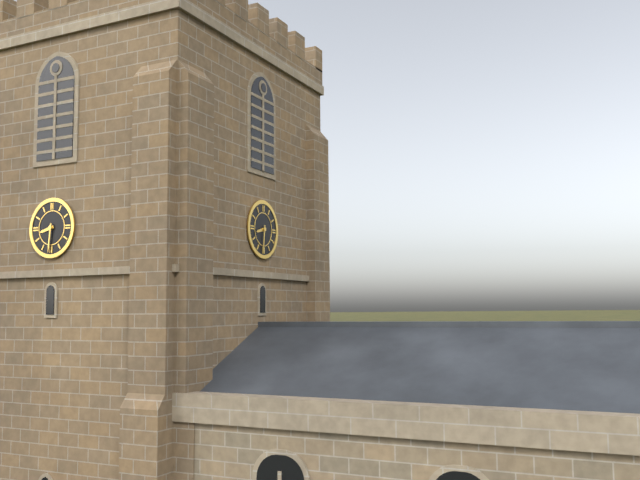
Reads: 8.31
